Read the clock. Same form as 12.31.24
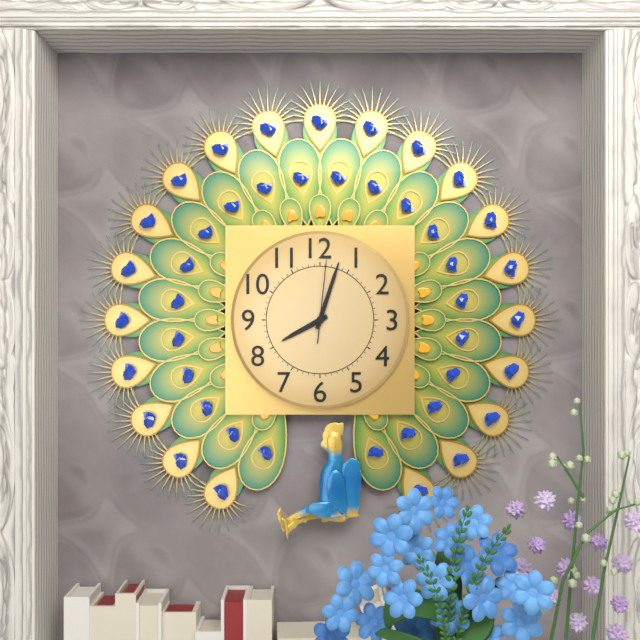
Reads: 8.03.01
